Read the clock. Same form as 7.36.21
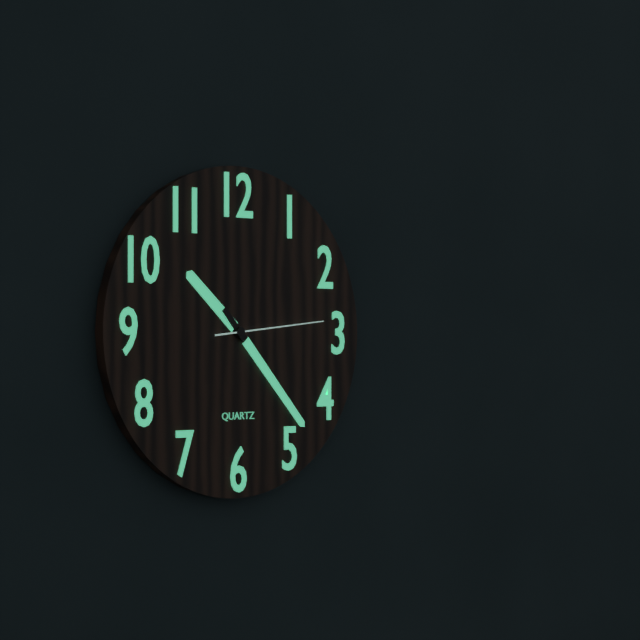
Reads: 10.23.14
